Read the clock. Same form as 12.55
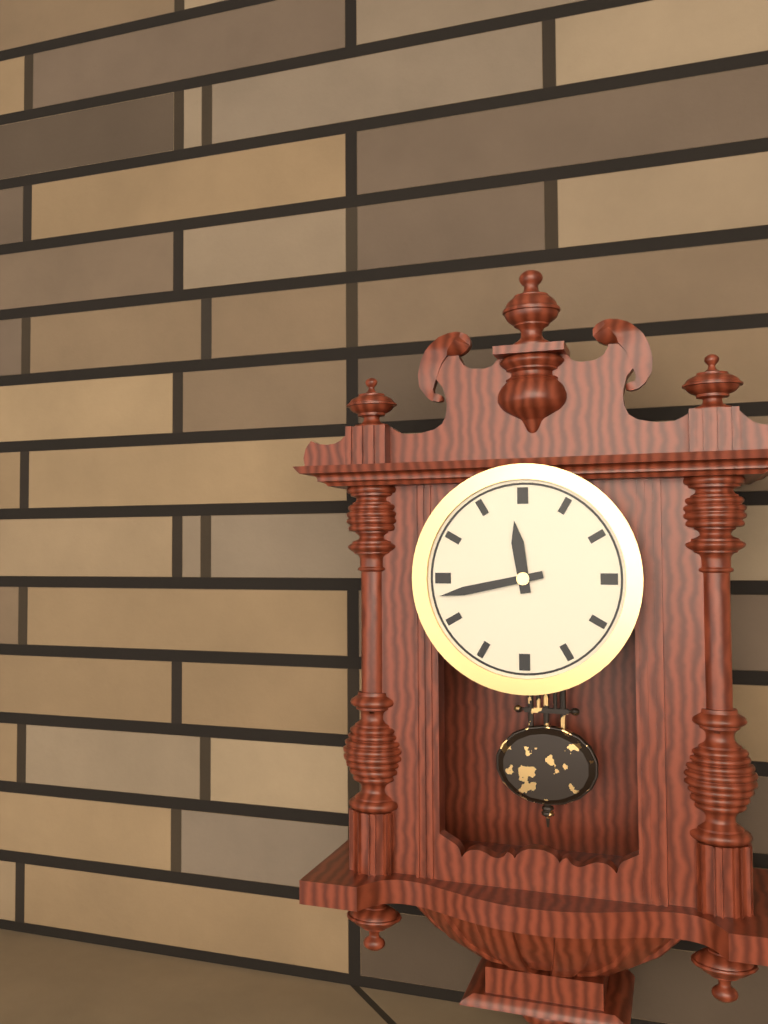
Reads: 11.43
